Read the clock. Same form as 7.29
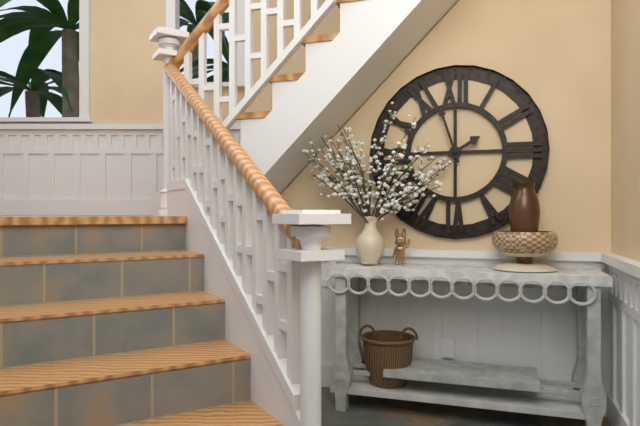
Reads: 1.57
